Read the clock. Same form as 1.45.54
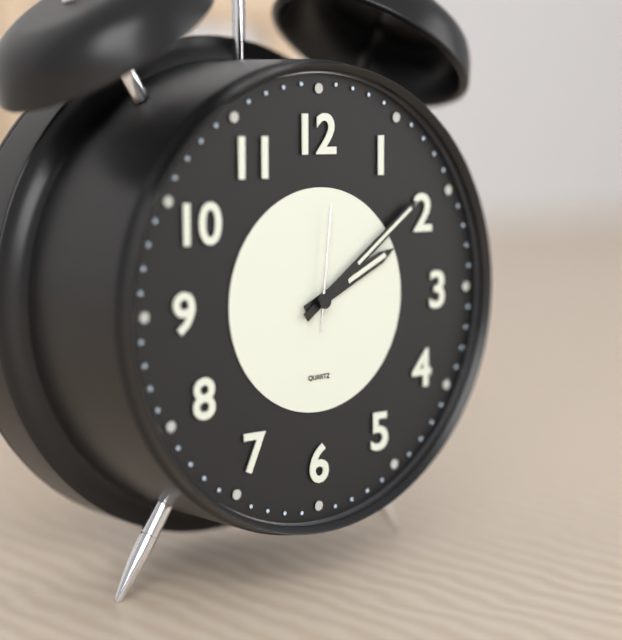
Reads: 2.09.01
